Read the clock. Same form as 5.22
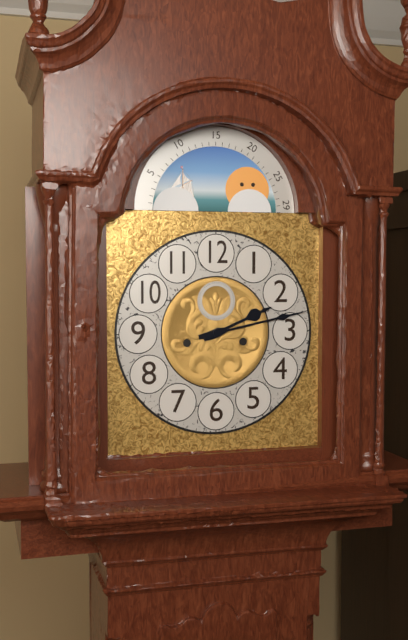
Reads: 2.13
